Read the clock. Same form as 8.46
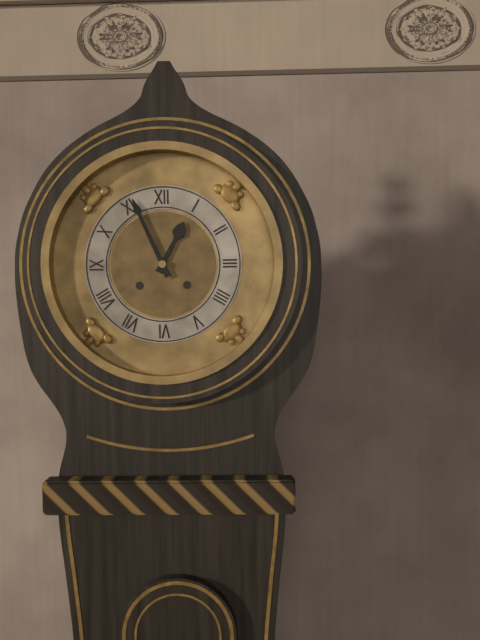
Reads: 12.56
